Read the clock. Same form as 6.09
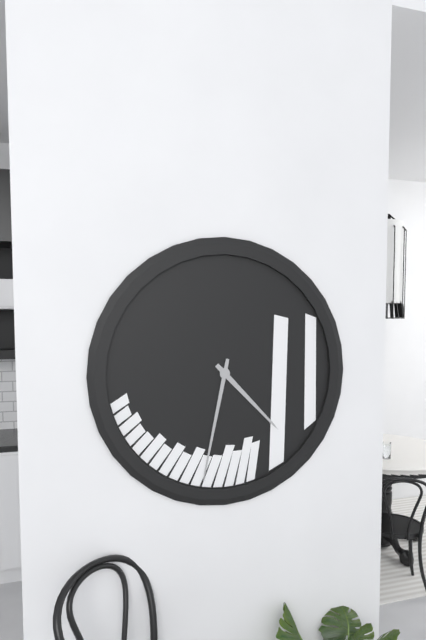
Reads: 4.32
